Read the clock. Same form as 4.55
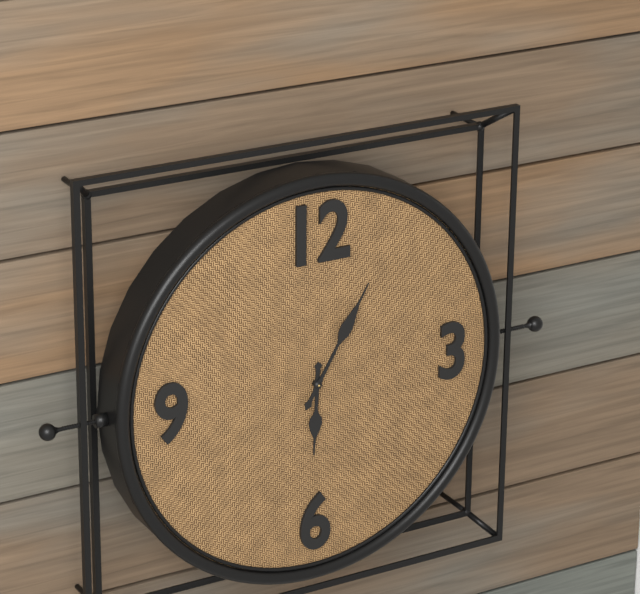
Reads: 6.05
